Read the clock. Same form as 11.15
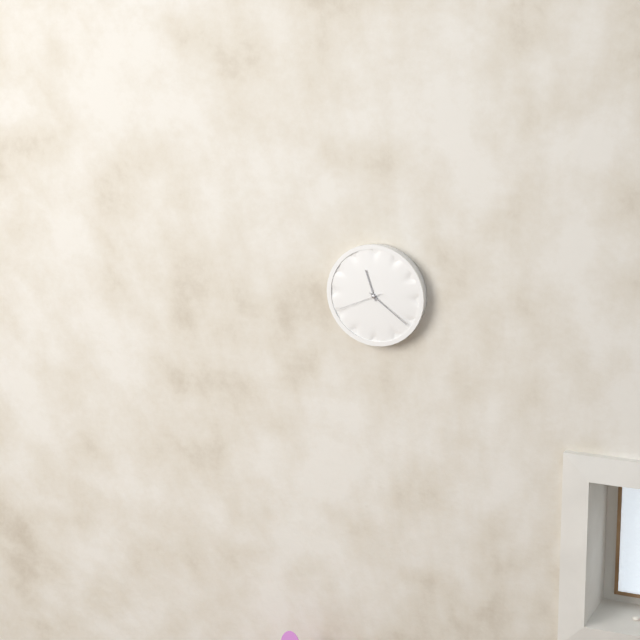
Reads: 11.21
